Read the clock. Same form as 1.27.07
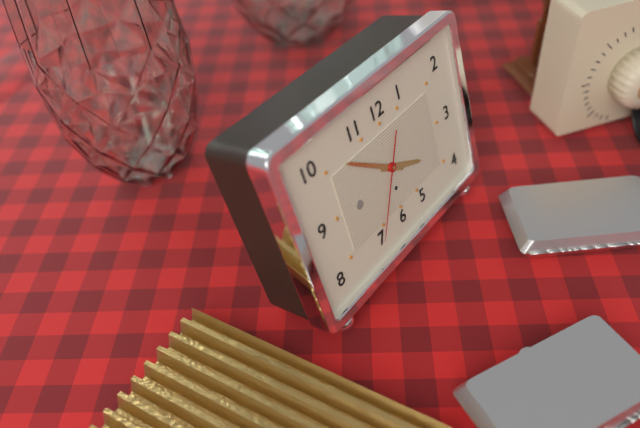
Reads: 3.51.35
